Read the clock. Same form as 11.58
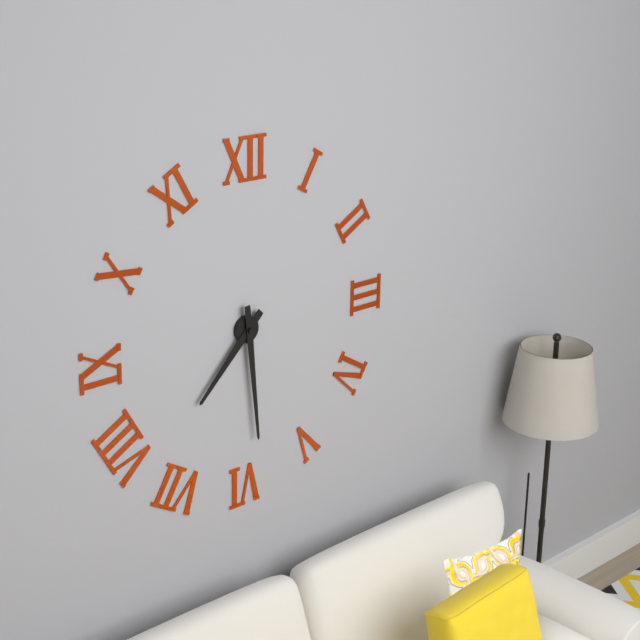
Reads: 7.29
